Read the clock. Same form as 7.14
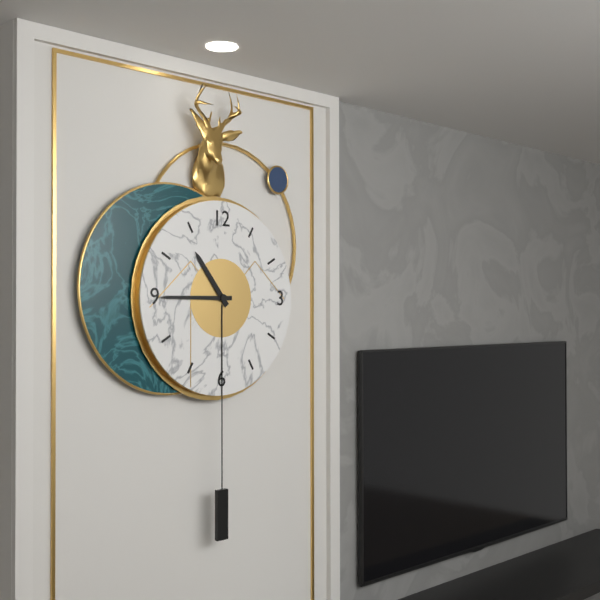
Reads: 10.45
